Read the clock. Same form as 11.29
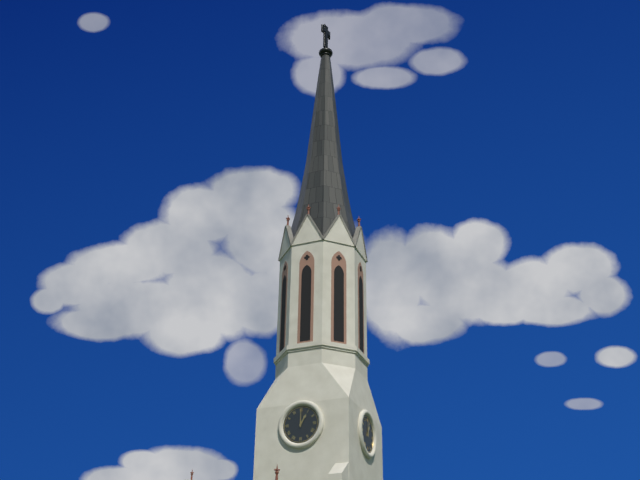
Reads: 1.00
